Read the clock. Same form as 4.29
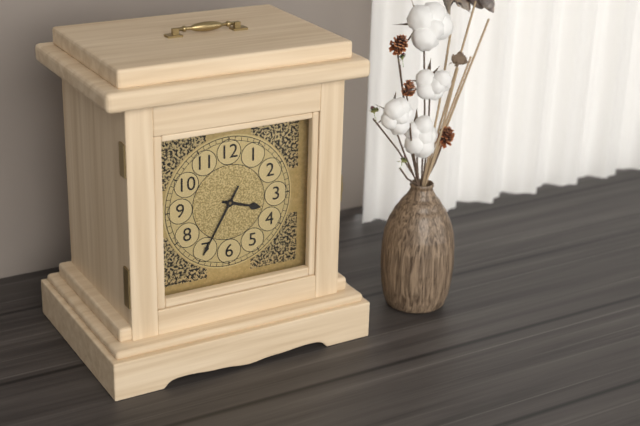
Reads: 3.35
